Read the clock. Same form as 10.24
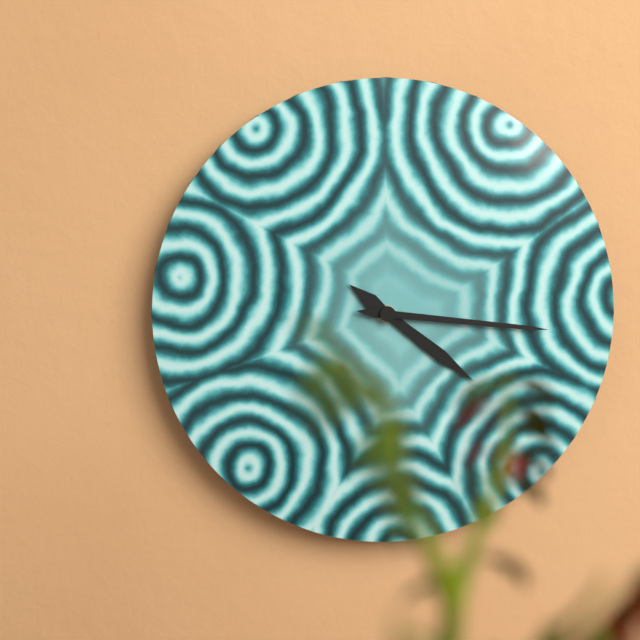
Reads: 4.16
